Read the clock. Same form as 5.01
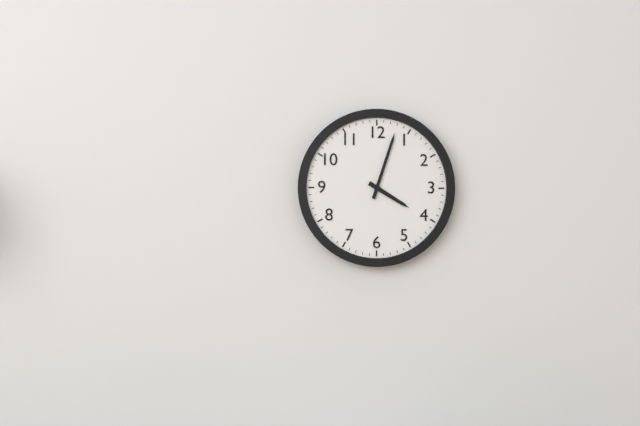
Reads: 4.03
